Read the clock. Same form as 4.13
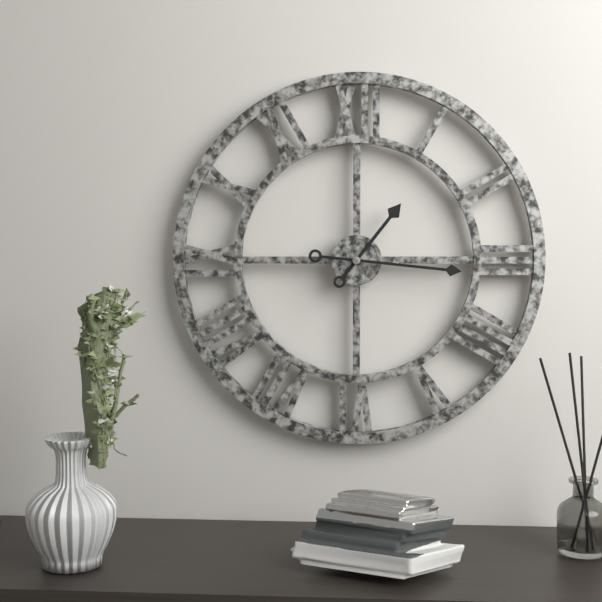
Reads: 1.16
